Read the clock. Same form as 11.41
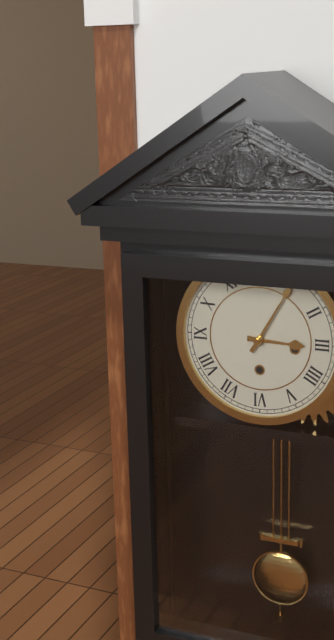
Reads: 3.05
